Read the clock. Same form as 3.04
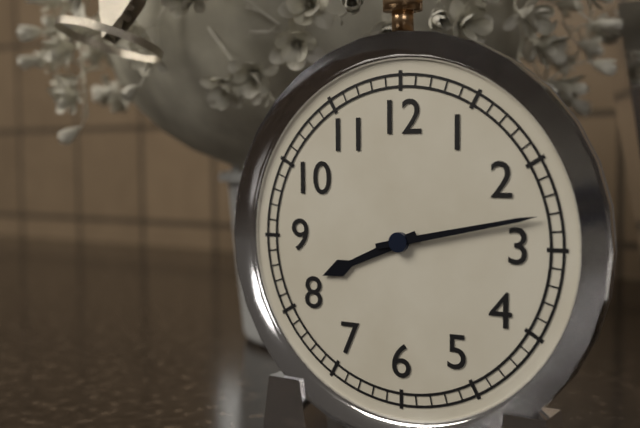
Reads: 8.13
